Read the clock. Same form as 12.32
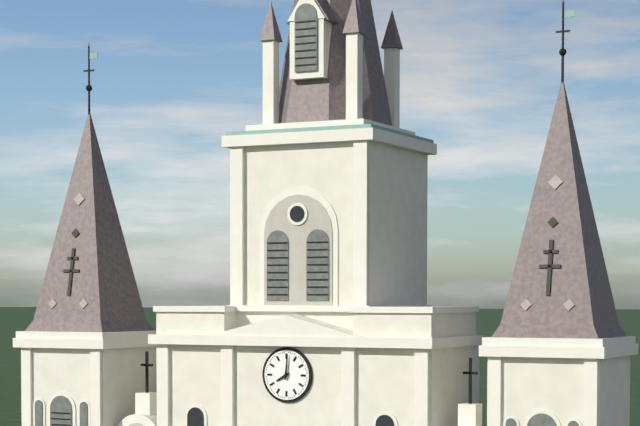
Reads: 8.01
